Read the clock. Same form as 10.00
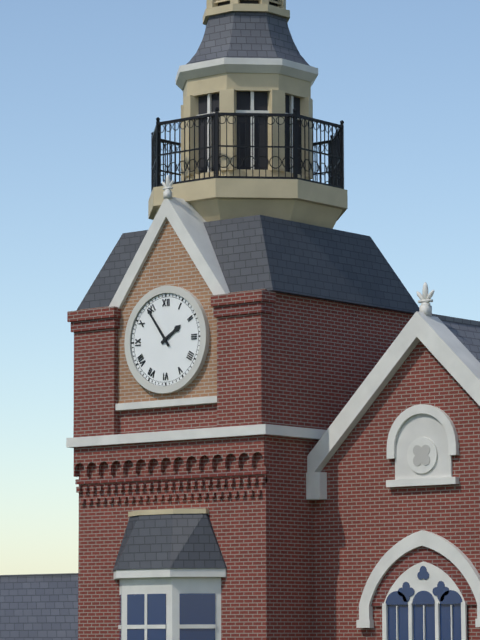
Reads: 1.54
